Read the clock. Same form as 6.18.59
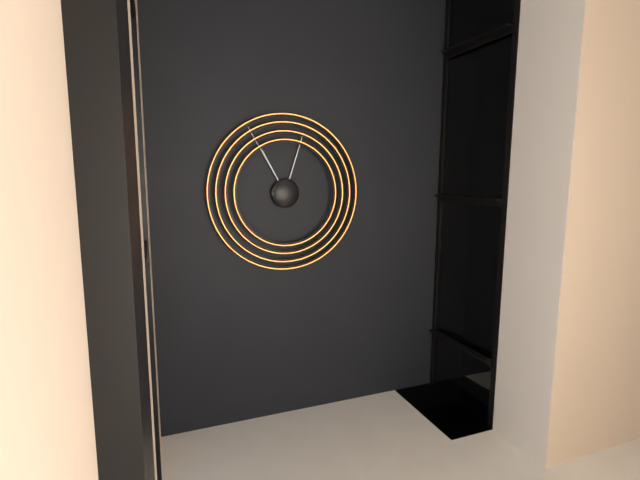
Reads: 11.03.55
